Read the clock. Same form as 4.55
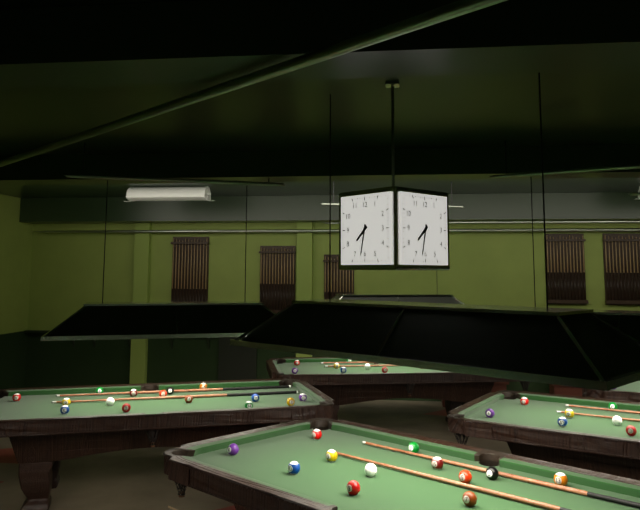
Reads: 7.32
